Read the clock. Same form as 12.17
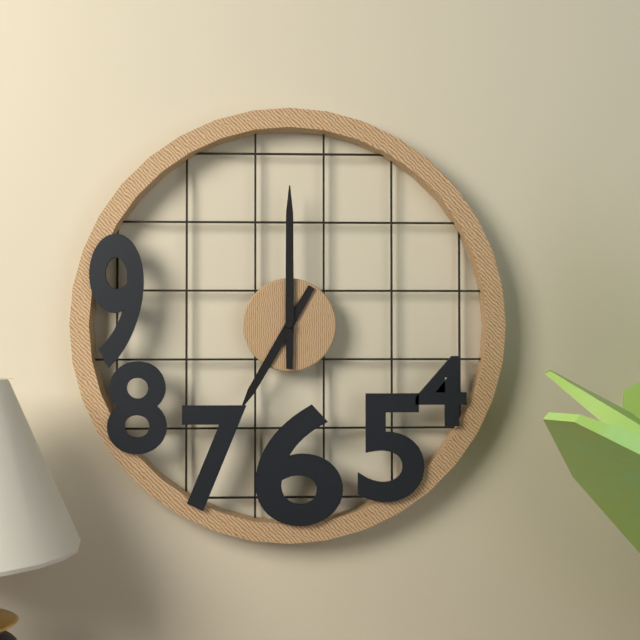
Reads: 7.00
